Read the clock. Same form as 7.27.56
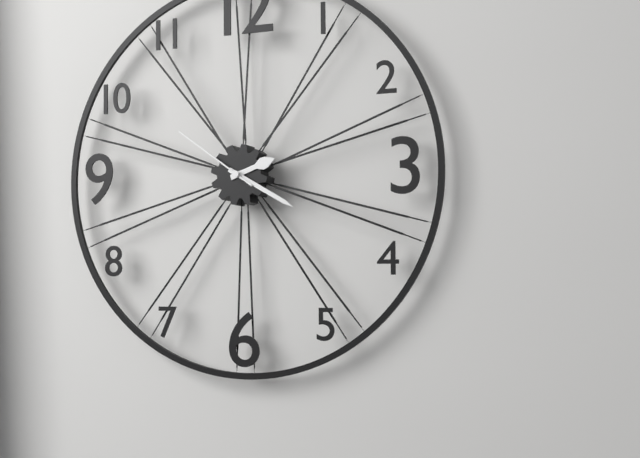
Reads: 2.20.51
